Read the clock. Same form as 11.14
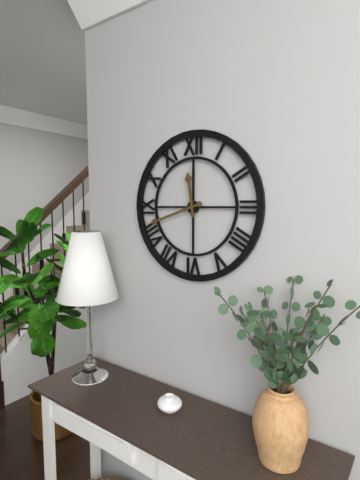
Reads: 11.42
